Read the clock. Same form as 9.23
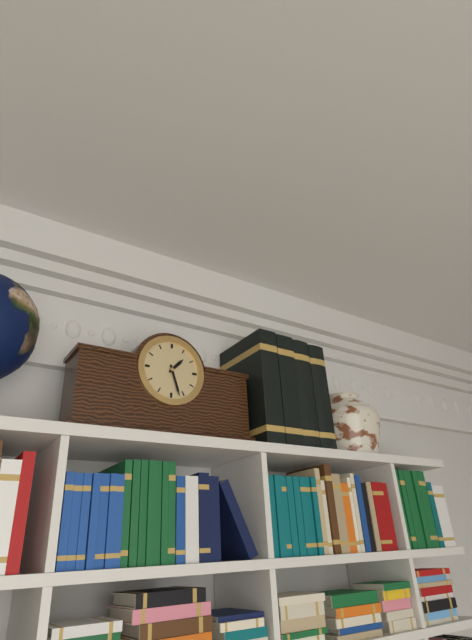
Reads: 1.27
